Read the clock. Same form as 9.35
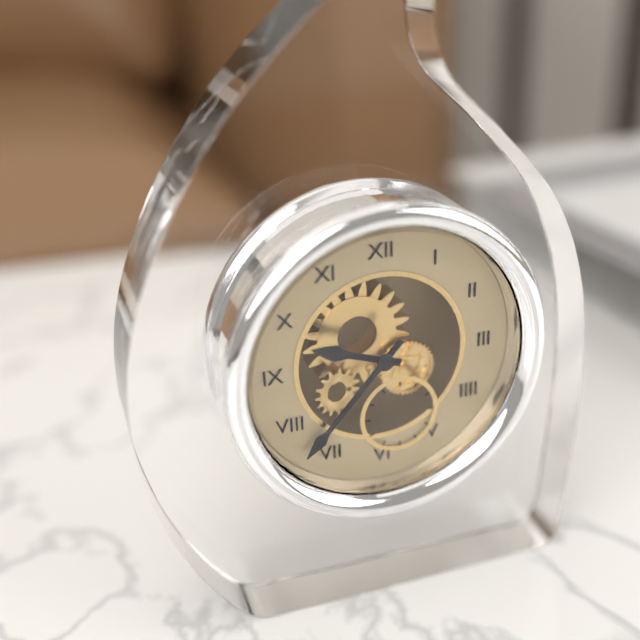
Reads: 9.37
